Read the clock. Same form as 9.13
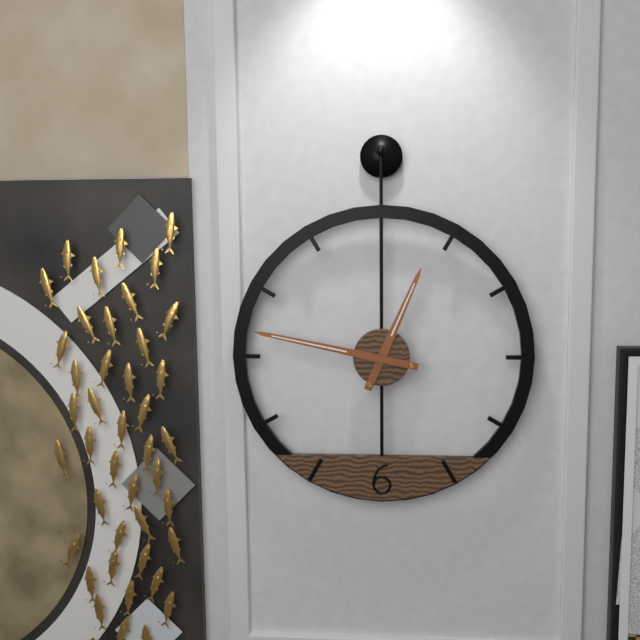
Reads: 12.47
